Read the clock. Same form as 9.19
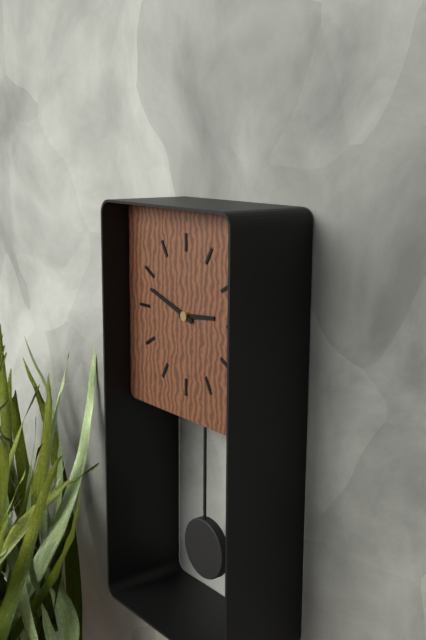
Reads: 2.48
